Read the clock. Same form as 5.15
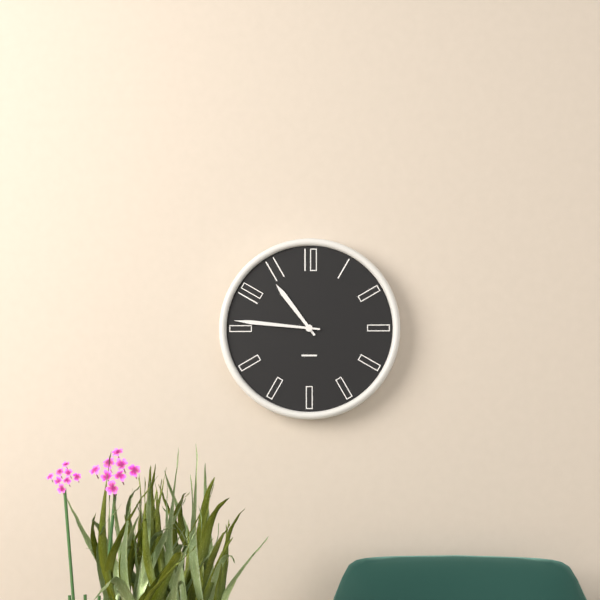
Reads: 10.46
